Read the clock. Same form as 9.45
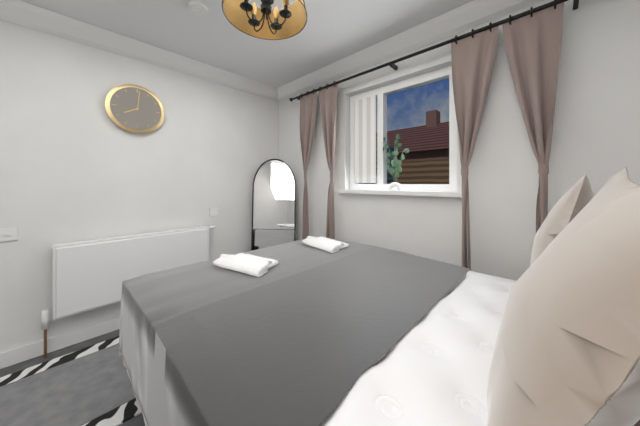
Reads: 8.01
